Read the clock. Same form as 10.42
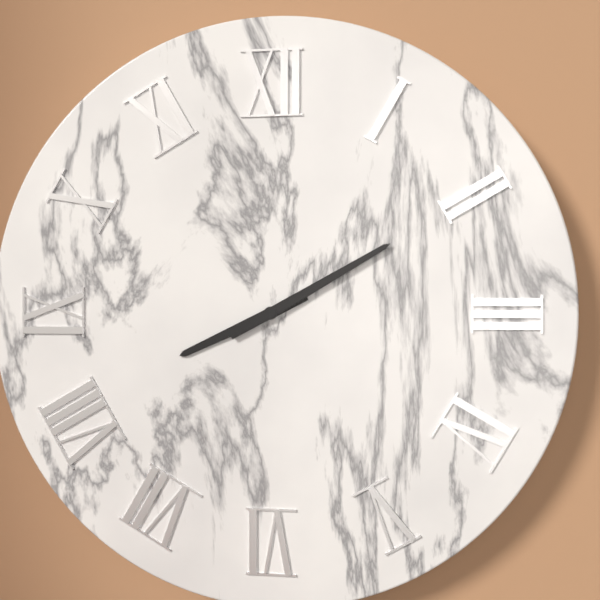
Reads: 8.10
